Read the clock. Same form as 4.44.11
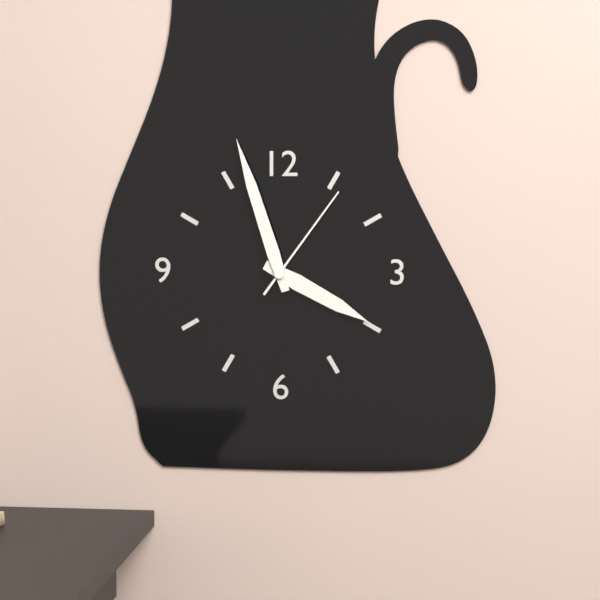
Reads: 3.57.06
